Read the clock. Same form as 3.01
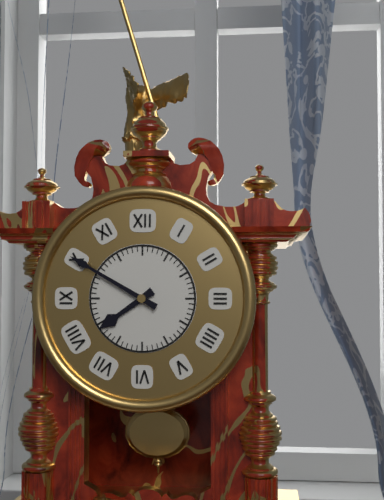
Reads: 7.50
